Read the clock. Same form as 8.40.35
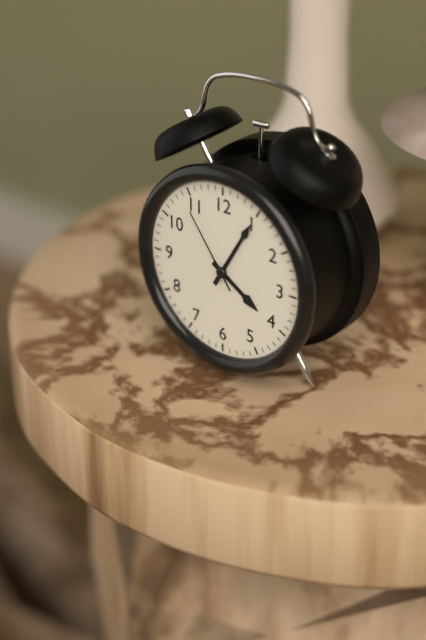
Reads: 4.05.54
